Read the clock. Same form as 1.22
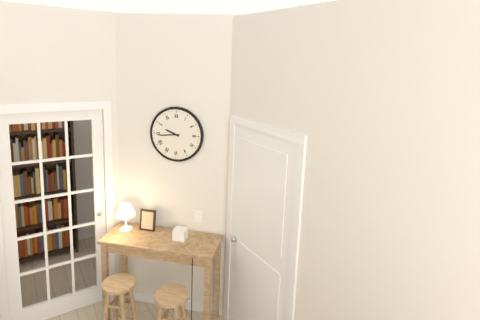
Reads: 9.44
